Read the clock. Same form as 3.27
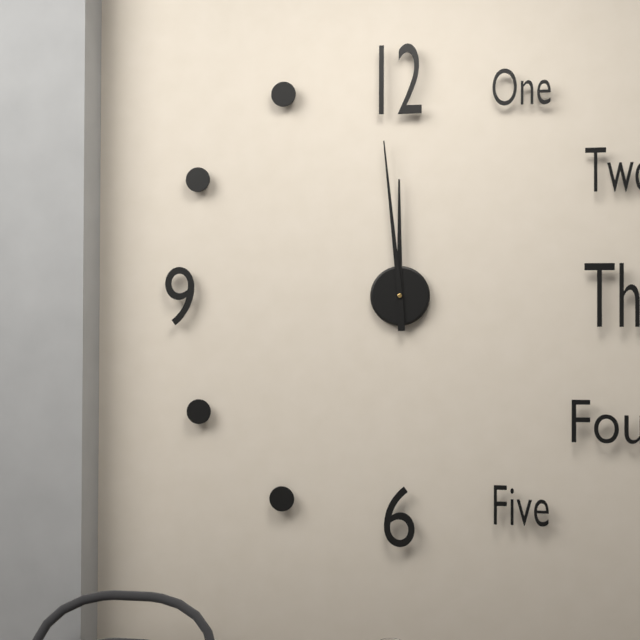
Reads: 11.59
